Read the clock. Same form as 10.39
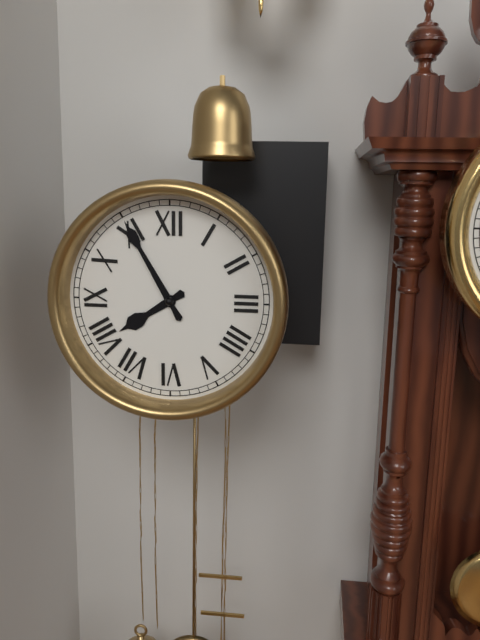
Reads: 7.55
